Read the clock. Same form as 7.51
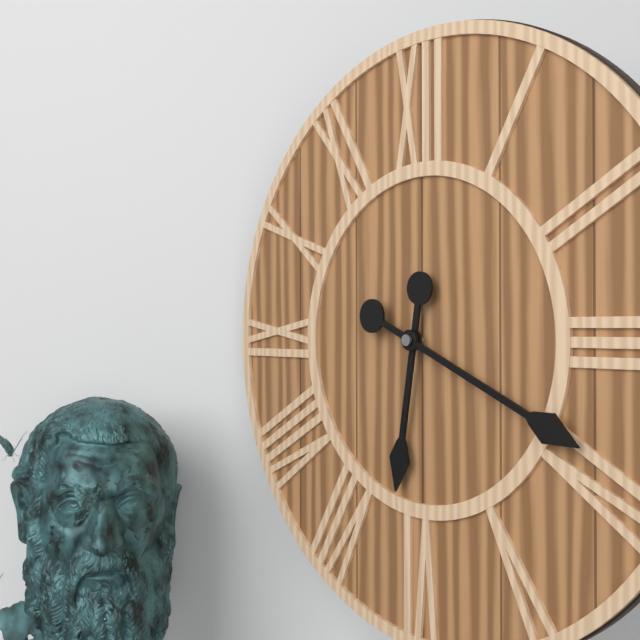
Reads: 6.19
